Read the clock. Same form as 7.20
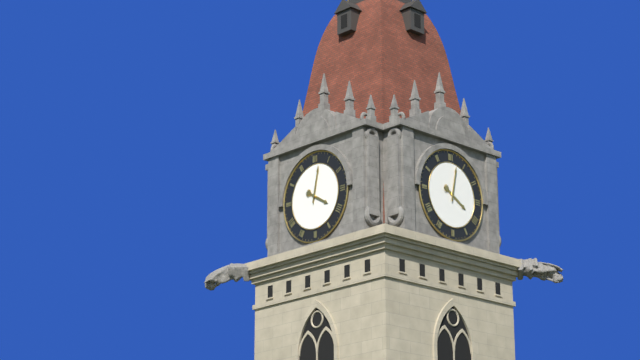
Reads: 4.02
